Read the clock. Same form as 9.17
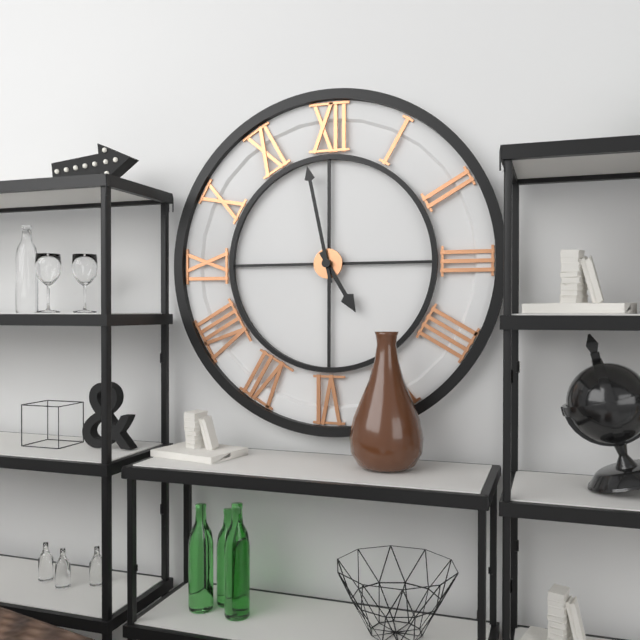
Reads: 4.58
